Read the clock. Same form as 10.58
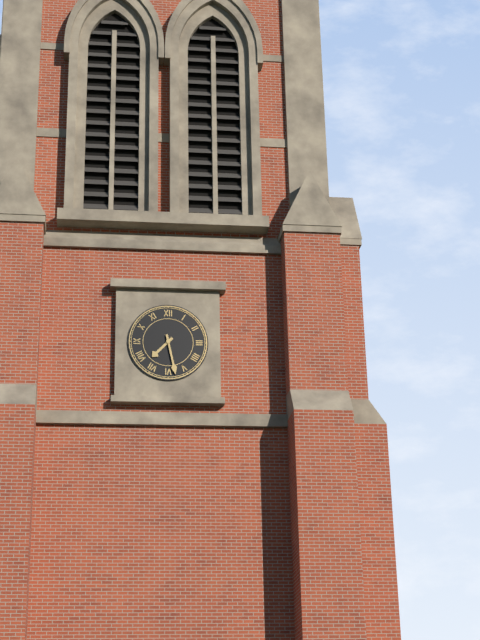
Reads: 7.28
